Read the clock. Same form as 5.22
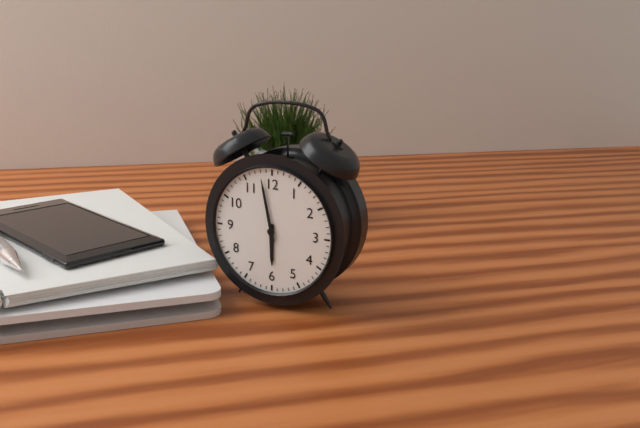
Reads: 5.58
